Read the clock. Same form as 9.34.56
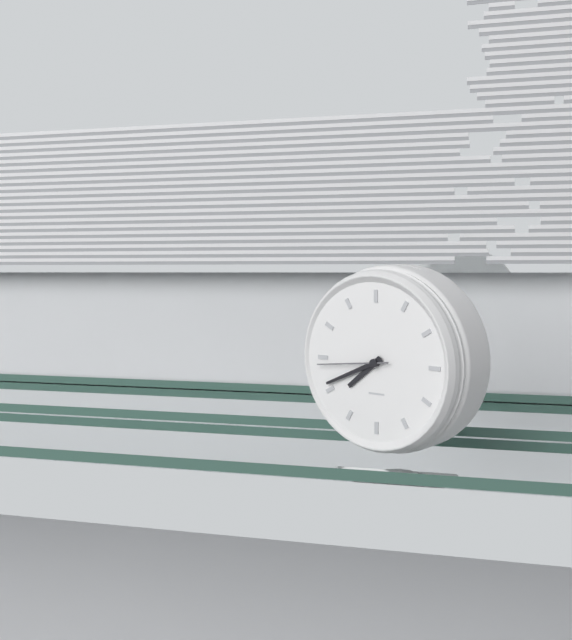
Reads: 7.41.44
